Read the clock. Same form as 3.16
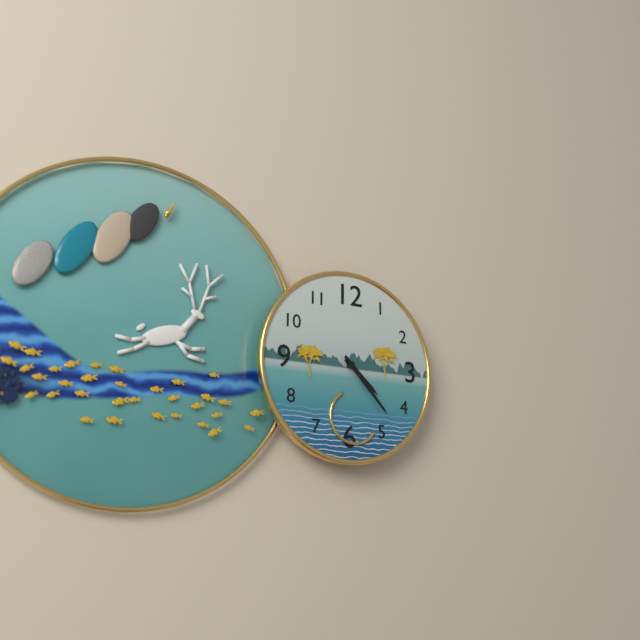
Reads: 4.23
